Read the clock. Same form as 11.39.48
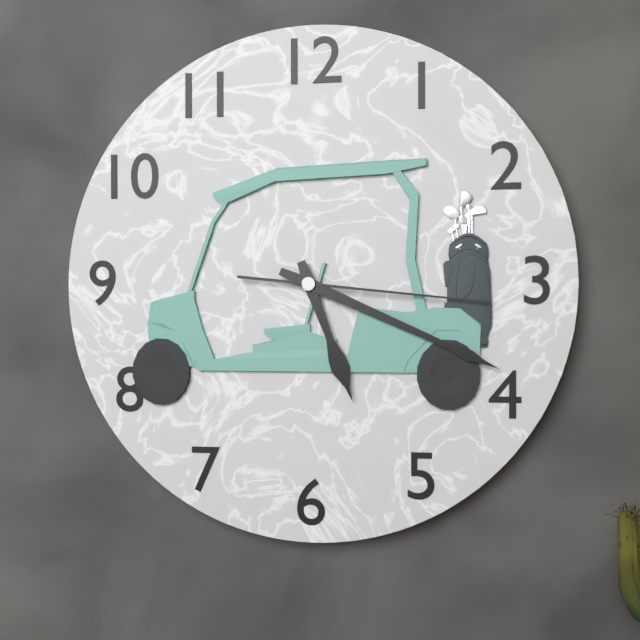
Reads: 5.19.16
